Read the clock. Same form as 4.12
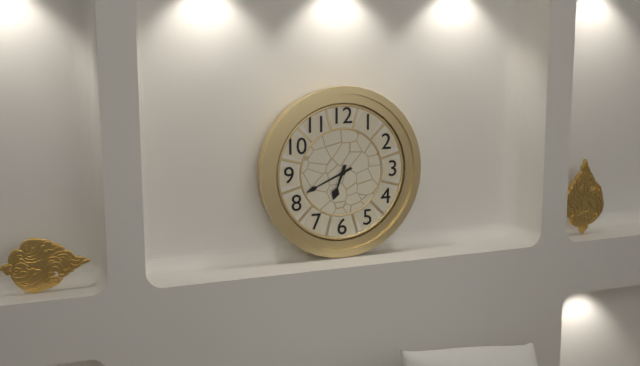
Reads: 6.41
